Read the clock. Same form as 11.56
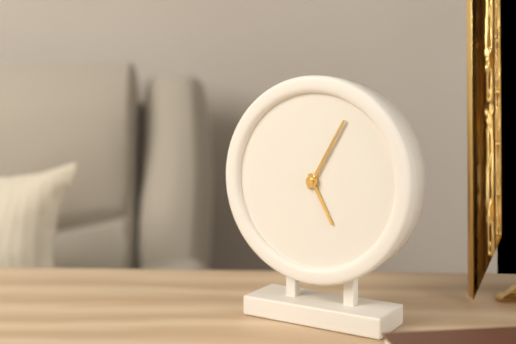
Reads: 5.05
